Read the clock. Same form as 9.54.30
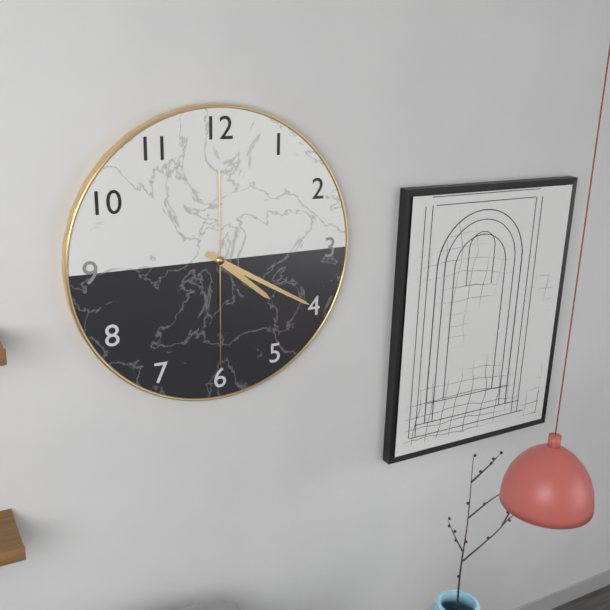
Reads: 4.20.30
